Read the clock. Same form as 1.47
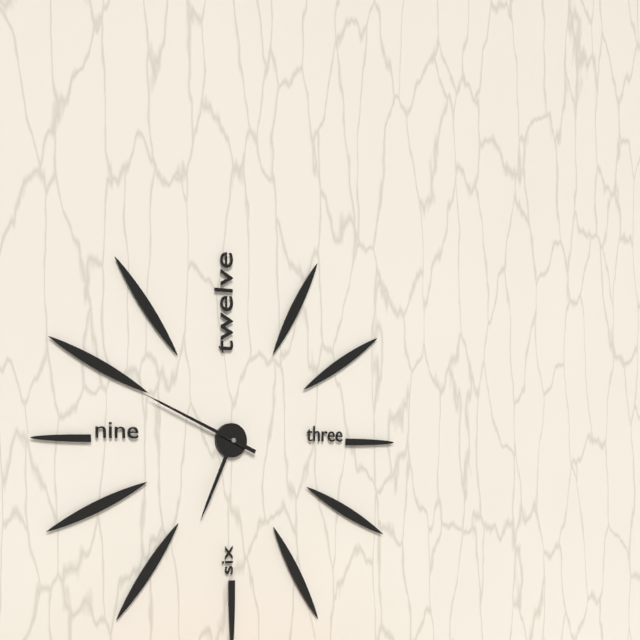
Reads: 6.49
